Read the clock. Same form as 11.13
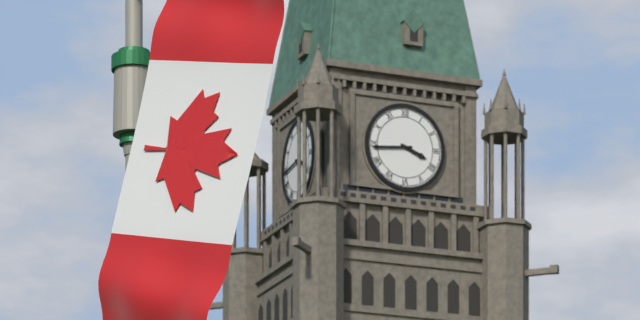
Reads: 3.44
